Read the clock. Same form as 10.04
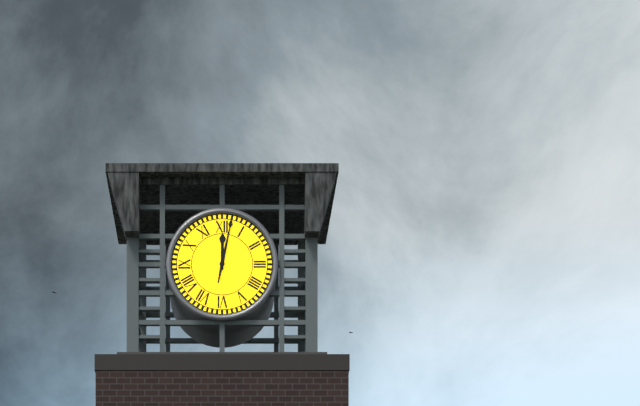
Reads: 12.02
